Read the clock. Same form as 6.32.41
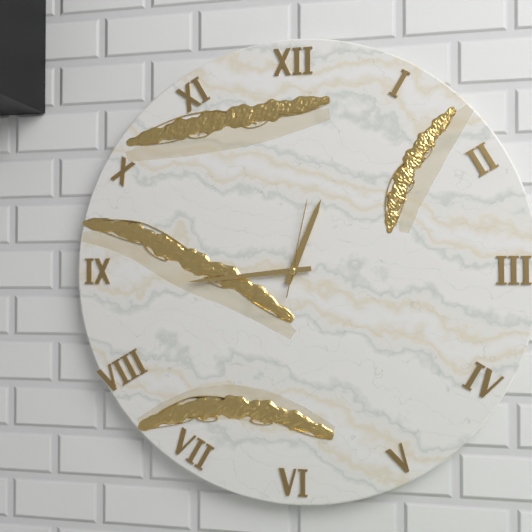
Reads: 12.44.02
